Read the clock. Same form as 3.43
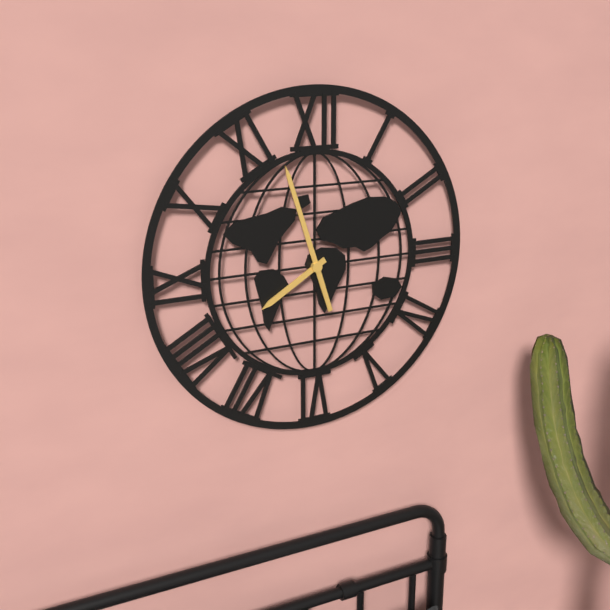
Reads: 7.57
